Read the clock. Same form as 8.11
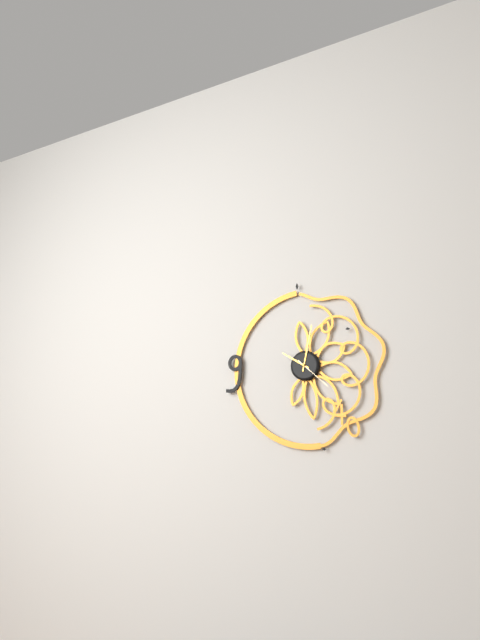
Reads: 10.02
